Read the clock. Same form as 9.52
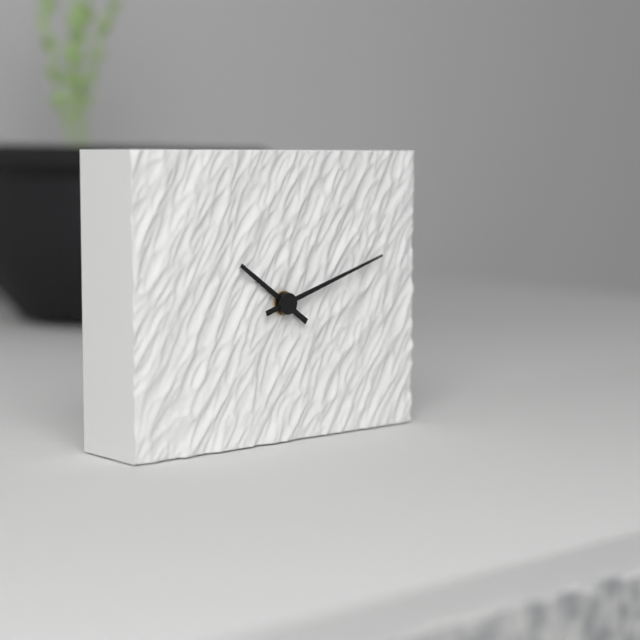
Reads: 10.12
